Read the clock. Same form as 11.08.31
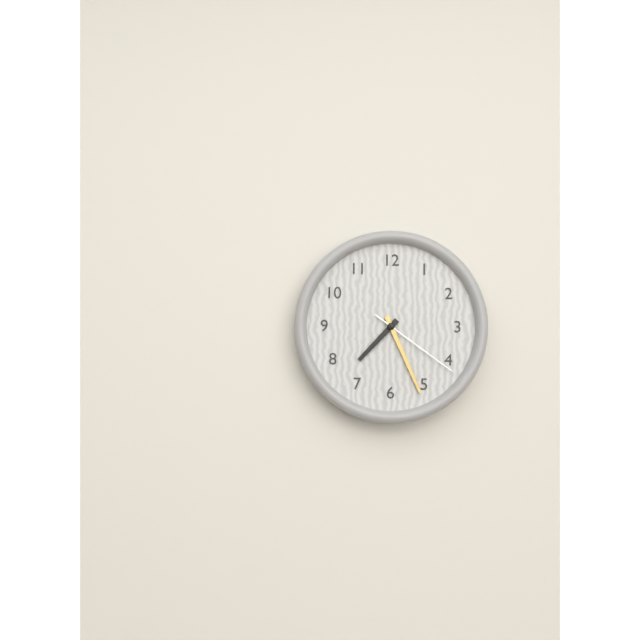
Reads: 7.26.21
